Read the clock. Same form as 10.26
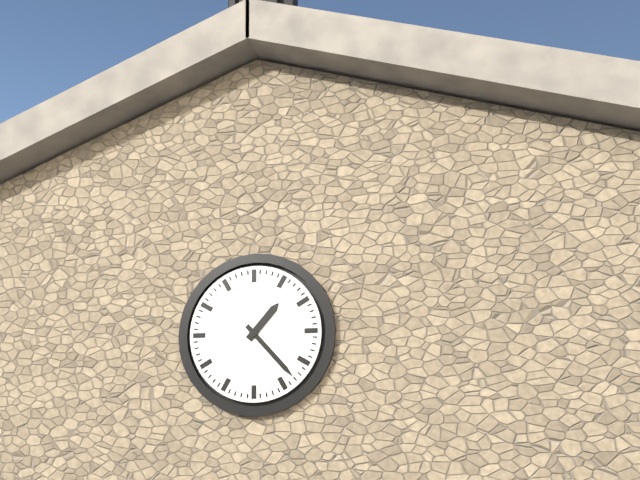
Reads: 1.23
